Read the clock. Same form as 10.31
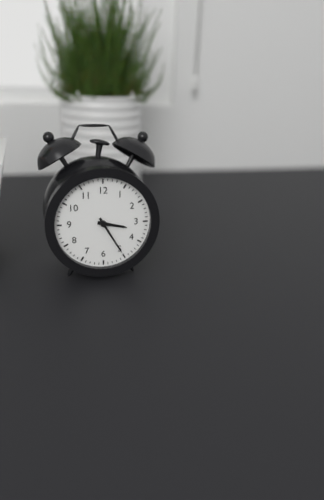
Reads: 3.25
